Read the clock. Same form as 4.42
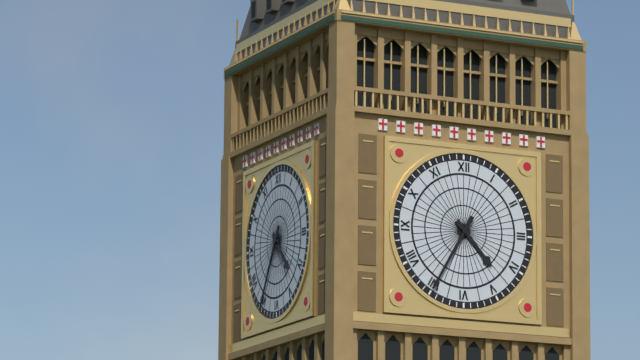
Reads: 4.35
